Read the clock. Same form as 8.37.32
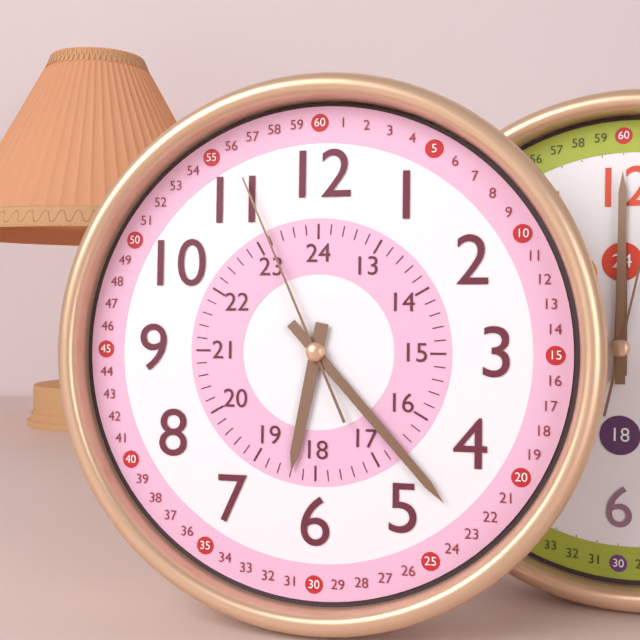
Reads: 6.23.56
